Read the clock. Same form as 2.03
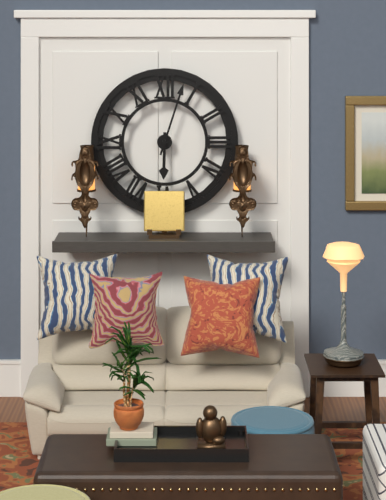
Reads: 6.03
